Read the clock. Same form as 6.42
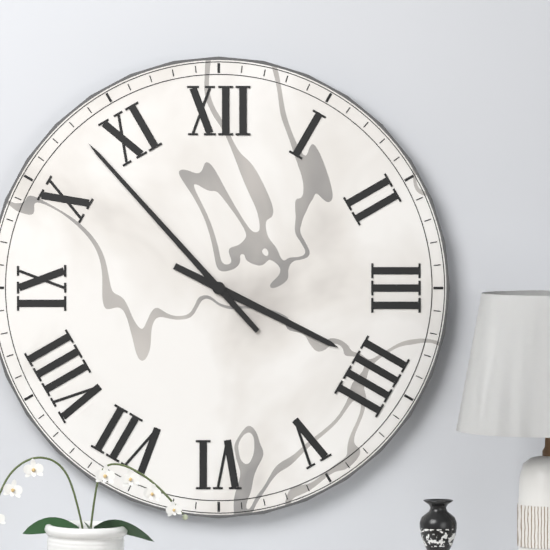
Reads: 3.53
